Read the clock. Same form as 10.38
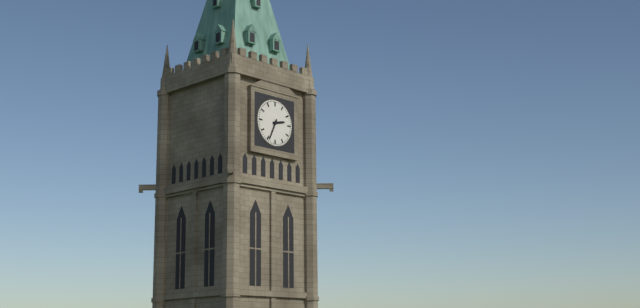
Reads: 2.34
